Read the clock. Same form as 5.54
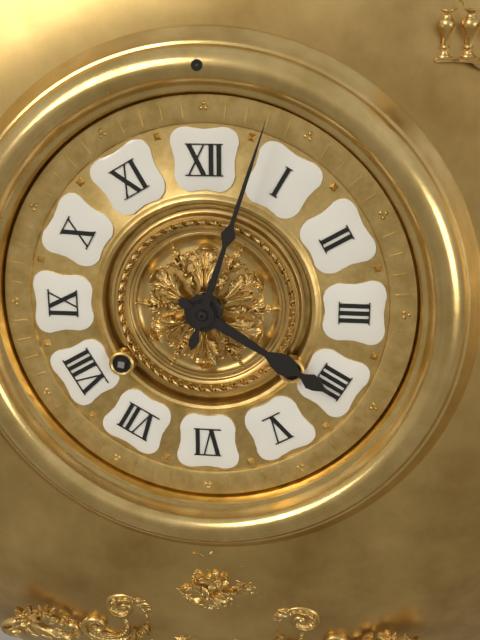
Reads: 4.03
